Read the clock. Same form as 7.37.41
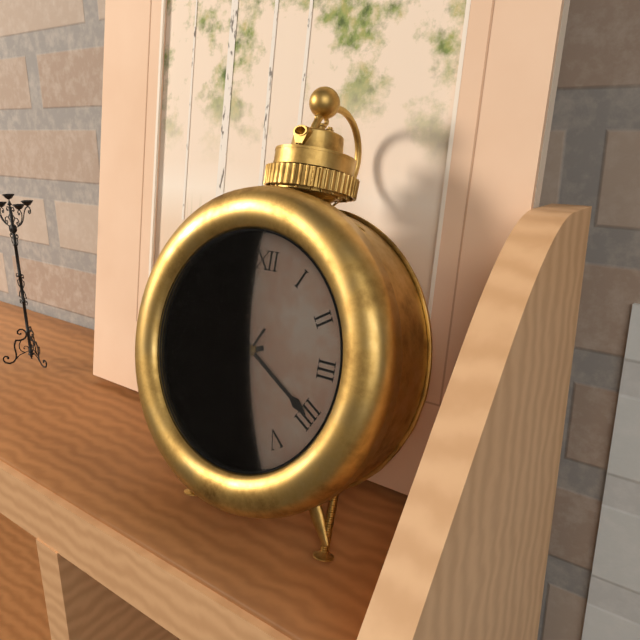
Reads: 8.20.35
